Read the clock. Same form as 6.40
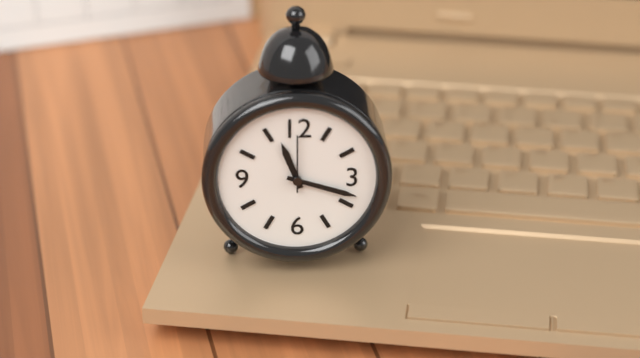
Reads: 11.18
